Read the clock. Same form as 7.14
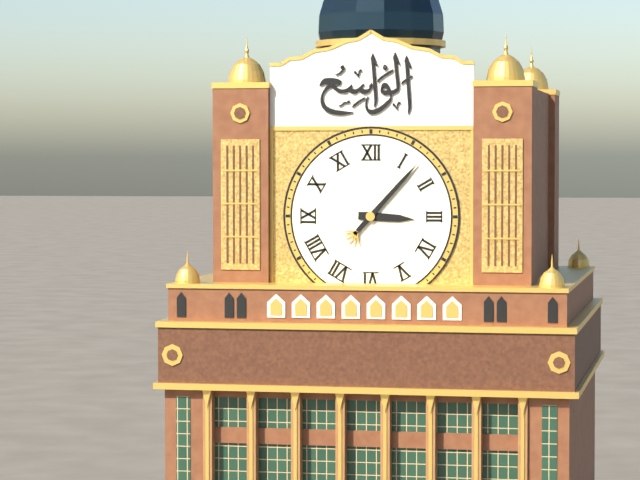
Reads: 3.07
